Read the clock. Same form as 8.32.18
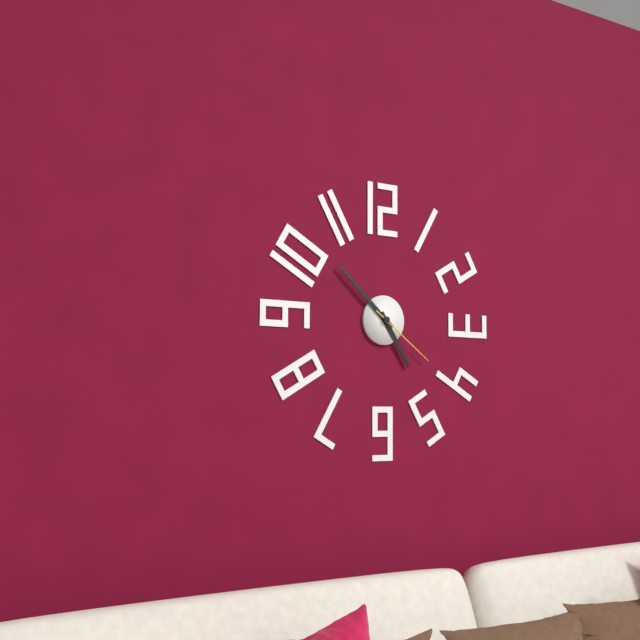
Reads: 4.52.21
